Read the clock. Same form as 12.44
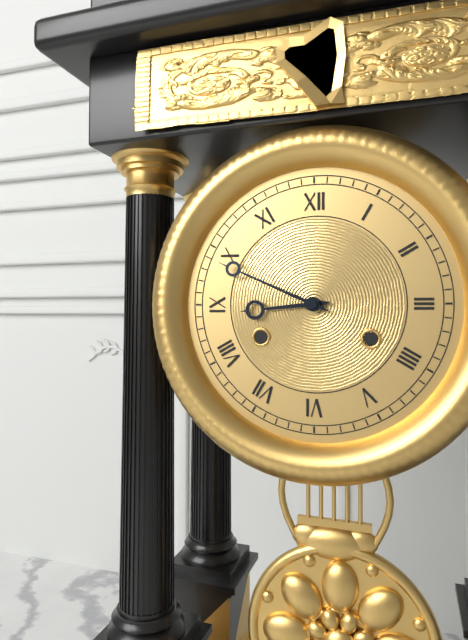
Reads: 8.49
